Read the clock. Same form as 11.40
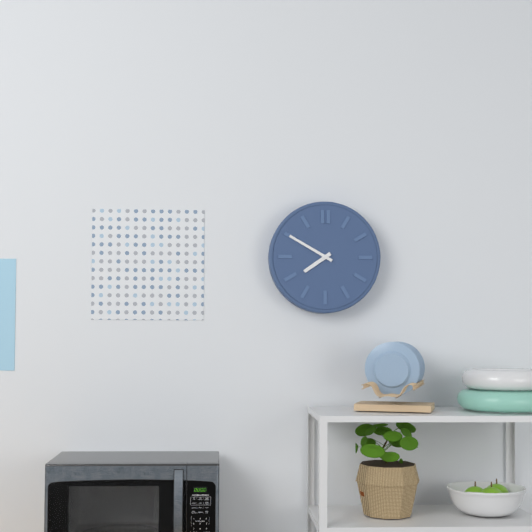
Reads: 7.50
